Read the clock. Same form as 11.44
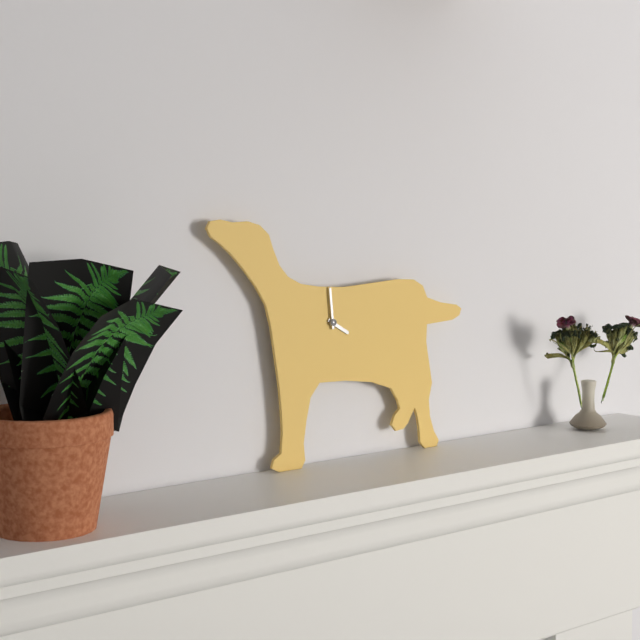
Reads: 3.59
